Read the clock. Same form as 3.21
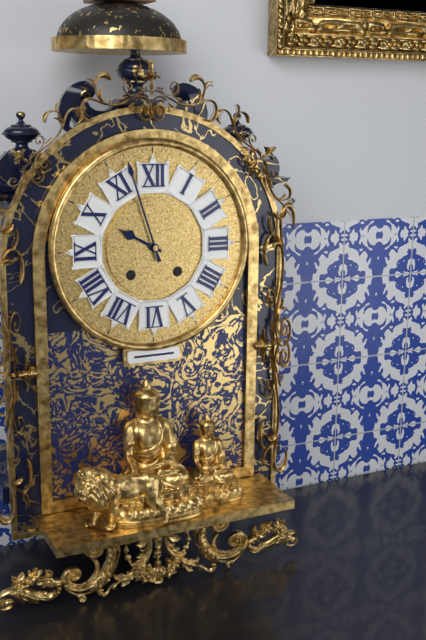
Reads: 9.57
